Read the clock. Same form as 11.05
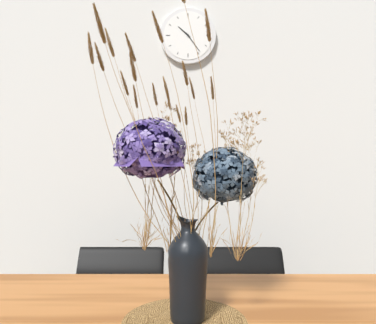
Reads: 10.24
